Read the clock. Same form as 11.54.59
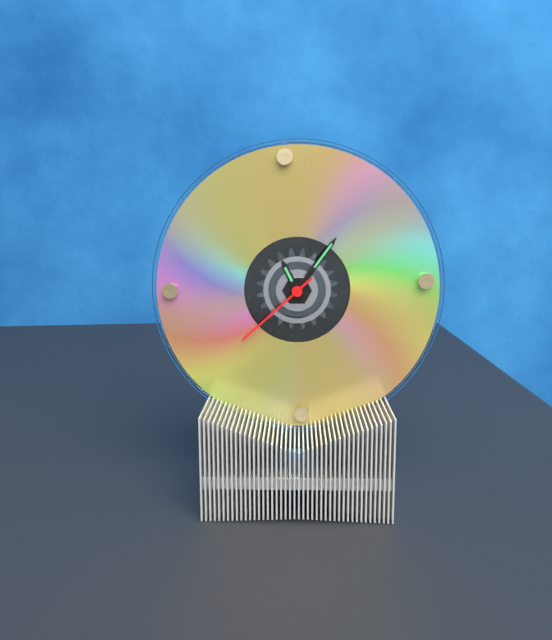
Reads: 11.06.38
